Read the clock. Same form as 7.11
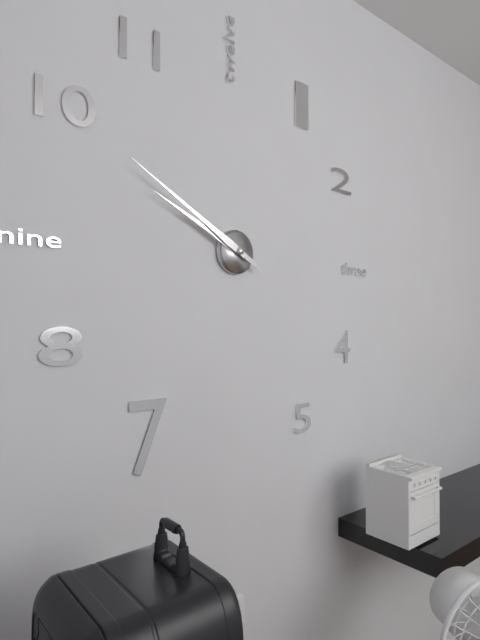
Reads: 9.50
